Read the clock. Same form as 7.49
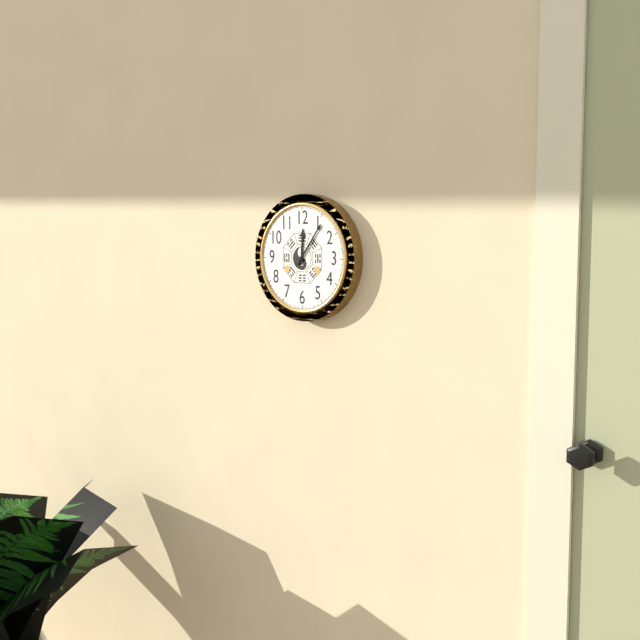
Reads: 12.06
